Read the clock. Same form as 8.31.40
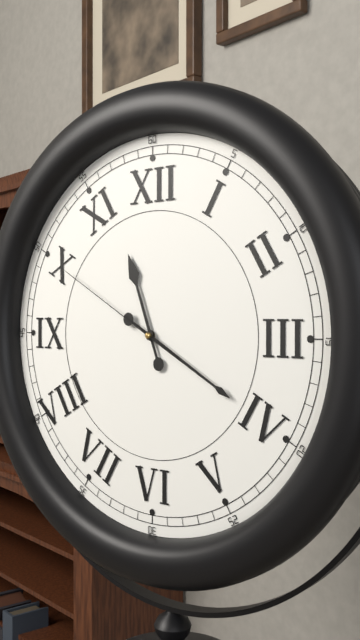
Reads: 11.20.50
